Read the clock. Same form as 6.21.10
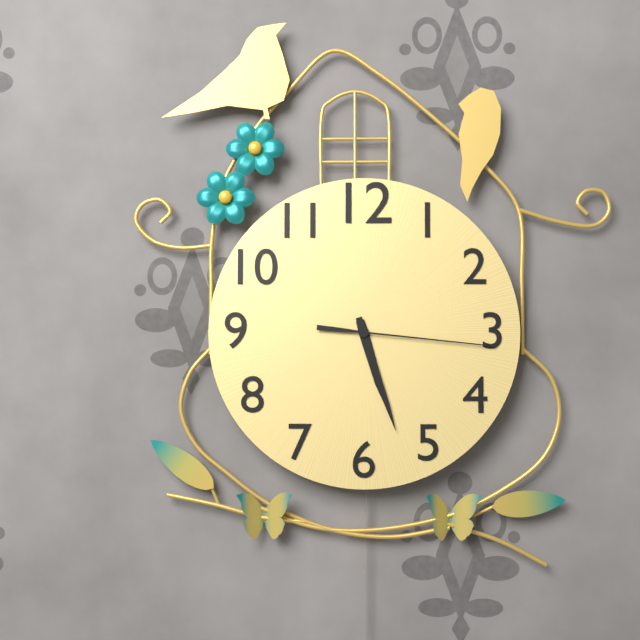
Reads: 5.27.16
